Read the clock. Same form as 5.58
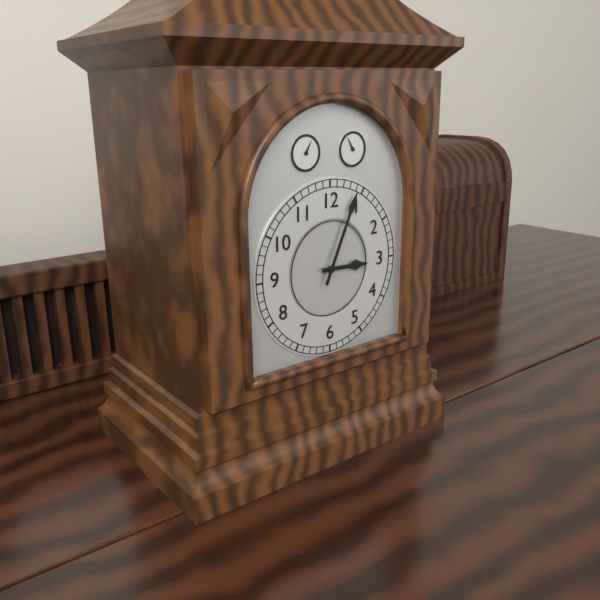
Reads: 3.04
